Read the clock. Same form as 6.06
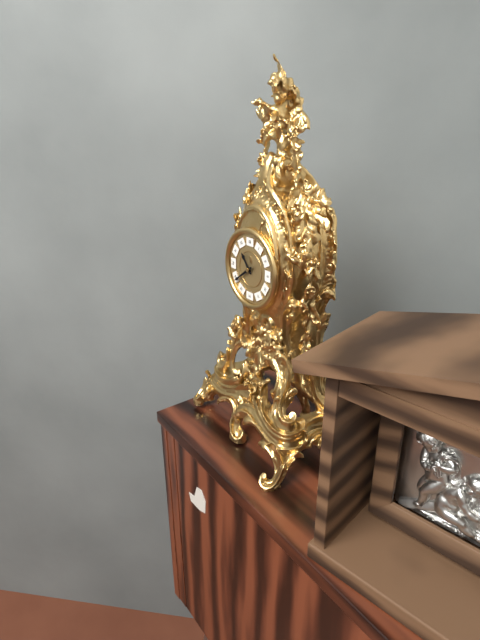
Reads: 10.39
